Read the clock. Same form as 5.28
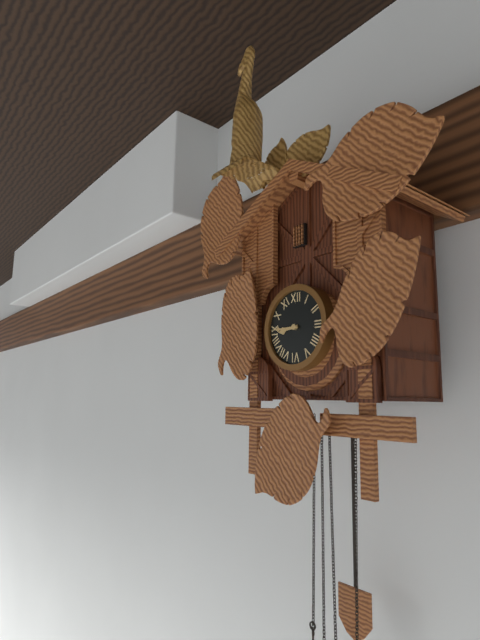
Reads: 8.45
